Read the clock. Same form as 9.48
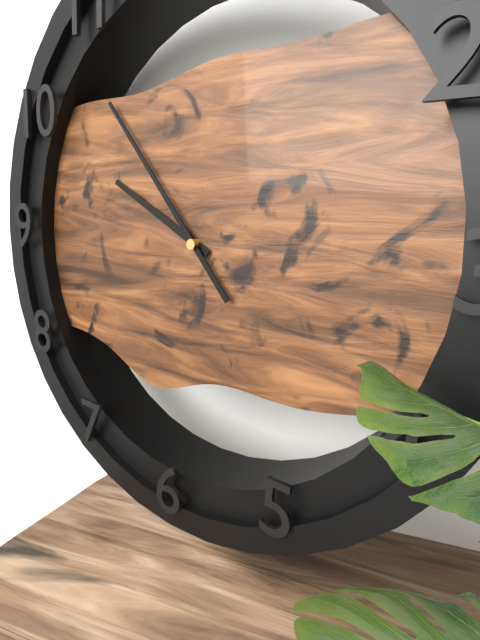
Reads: 9.53
